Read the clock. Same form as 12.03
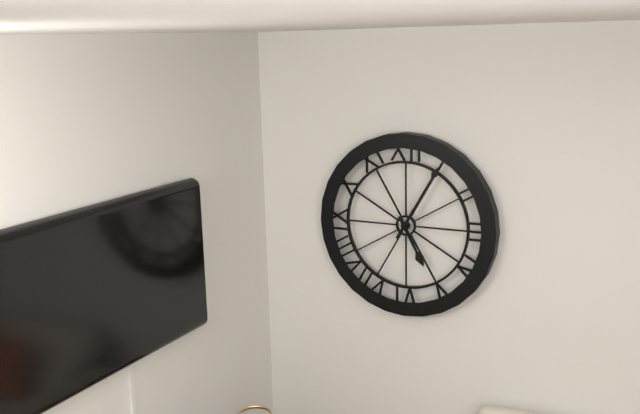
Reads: 5.05
